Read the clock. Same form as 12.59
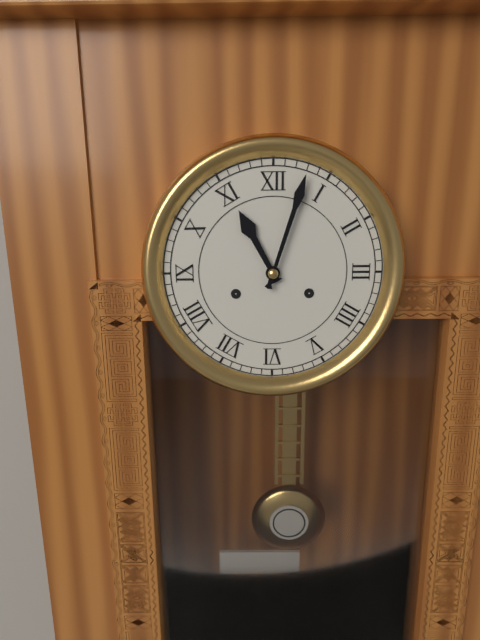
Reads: 11.03
